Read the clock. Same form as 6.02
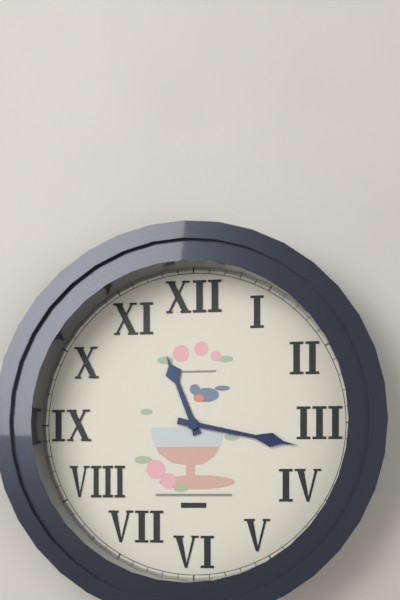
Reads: 11.17
